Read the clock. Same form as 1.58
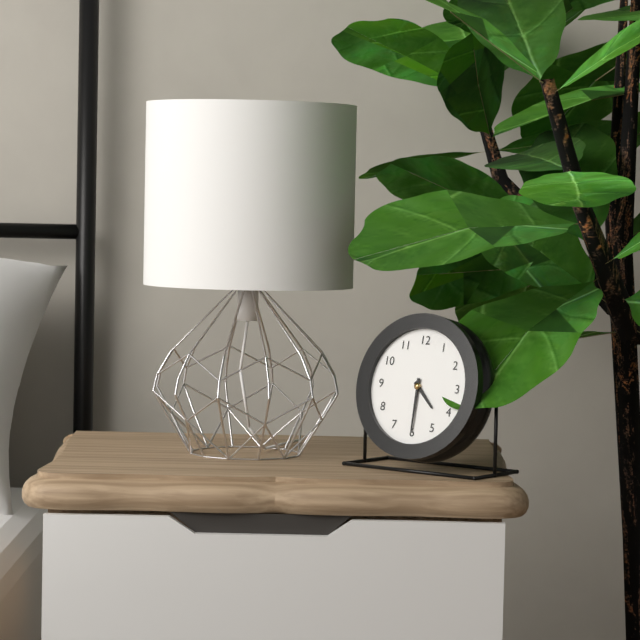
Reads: 4.30
